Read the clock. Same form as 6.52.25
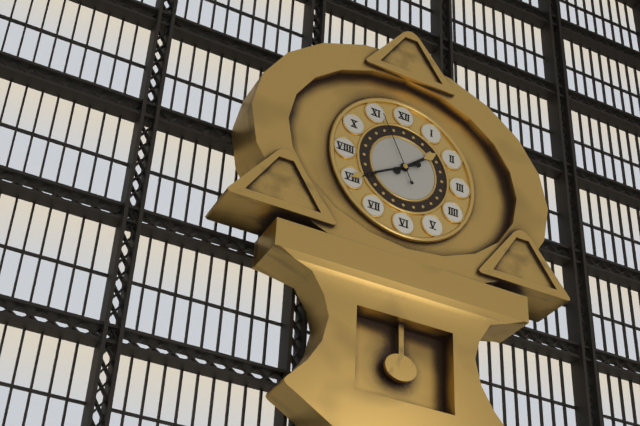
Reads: 1.40.56
